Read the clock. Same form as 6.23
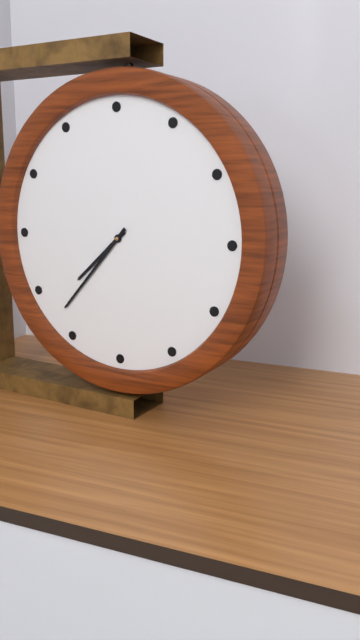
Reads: 7.37
